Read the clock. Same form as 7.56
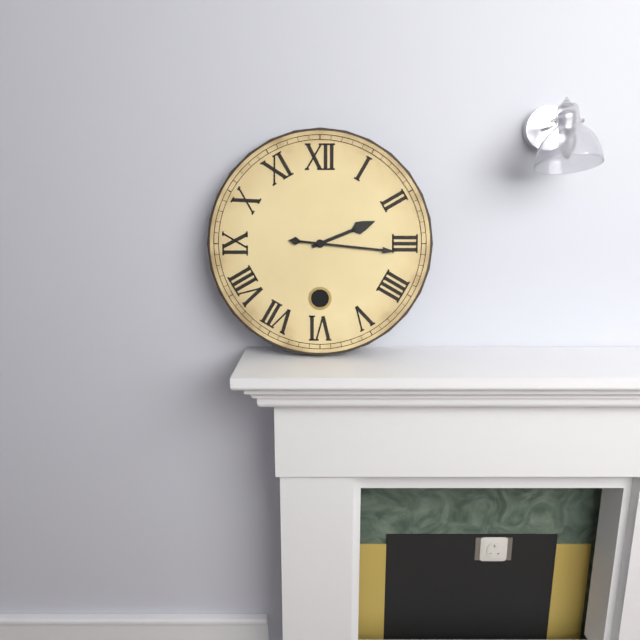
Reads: 2.16
